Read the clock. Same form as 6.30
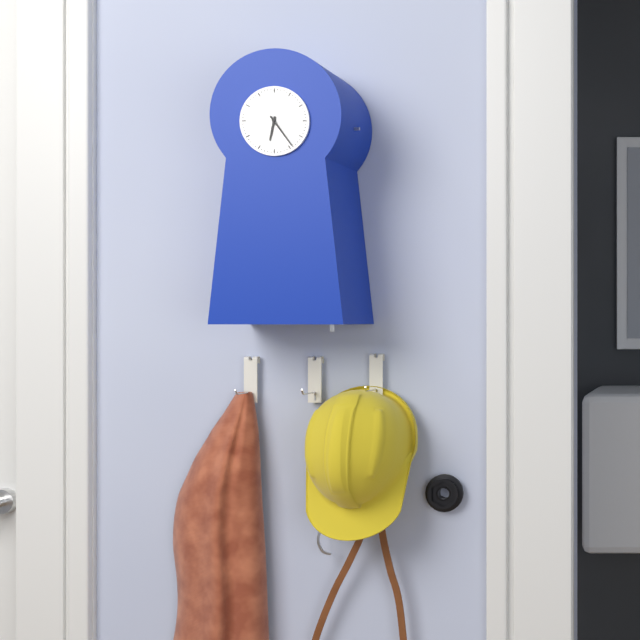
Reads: 6.24
